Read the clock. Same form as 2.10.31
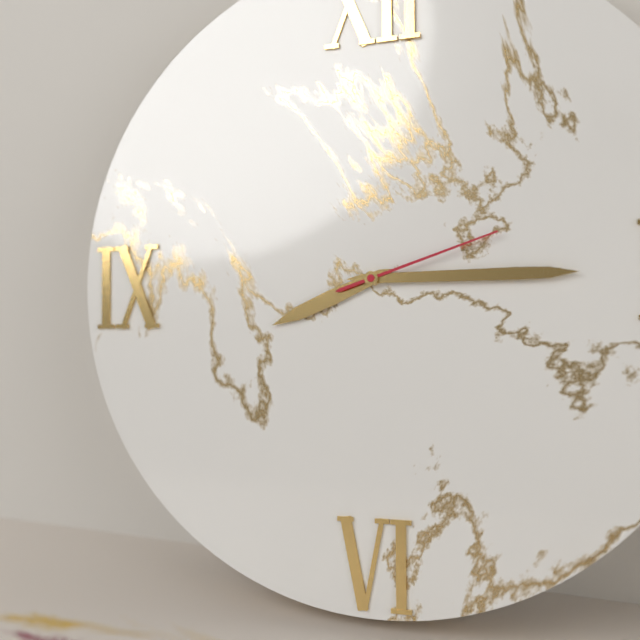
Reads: 8.15.12
